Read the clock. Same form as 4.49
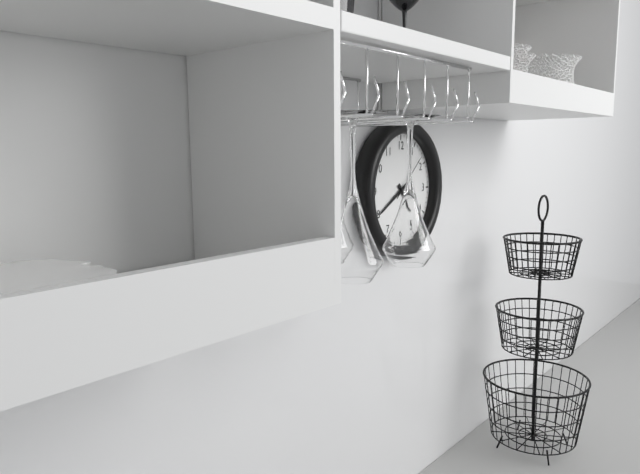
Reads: 4.40
